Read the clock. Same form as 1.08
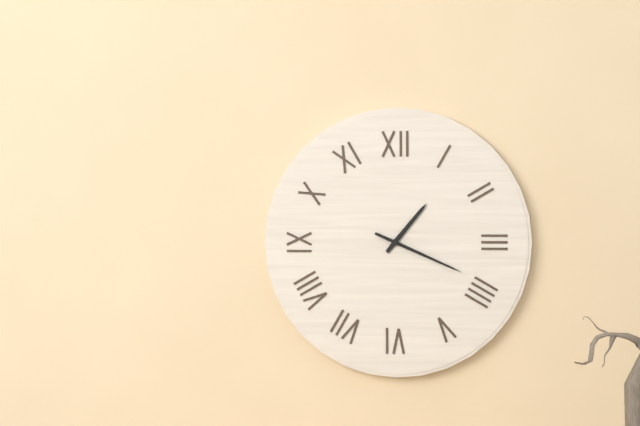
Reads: 1.19
